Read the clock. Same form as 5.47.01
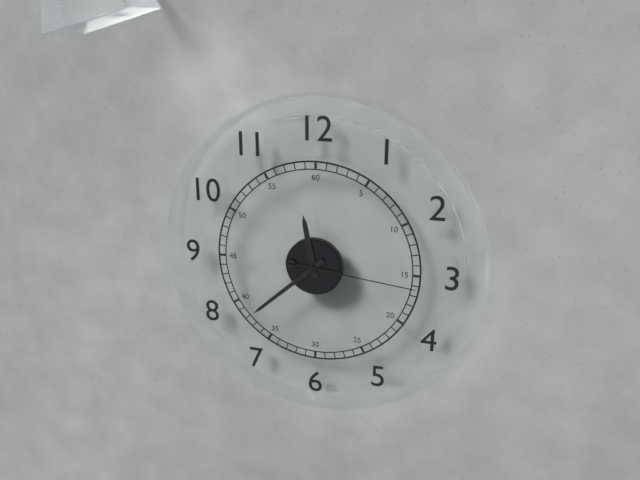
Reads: 11.38.16
